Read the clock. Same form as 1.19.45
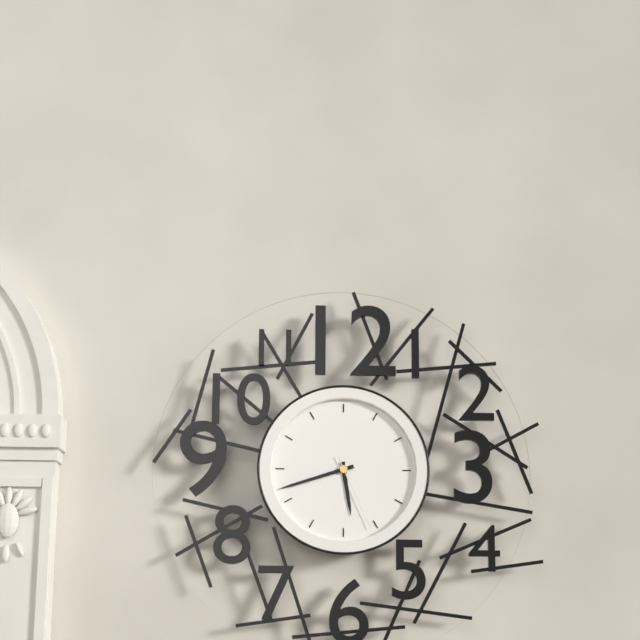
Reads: 5.42.26
